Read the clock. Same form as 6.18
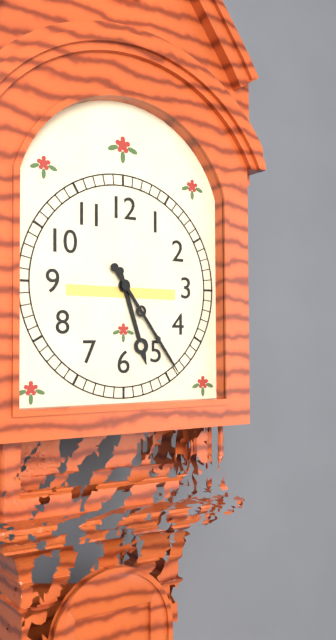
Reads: 5.24
